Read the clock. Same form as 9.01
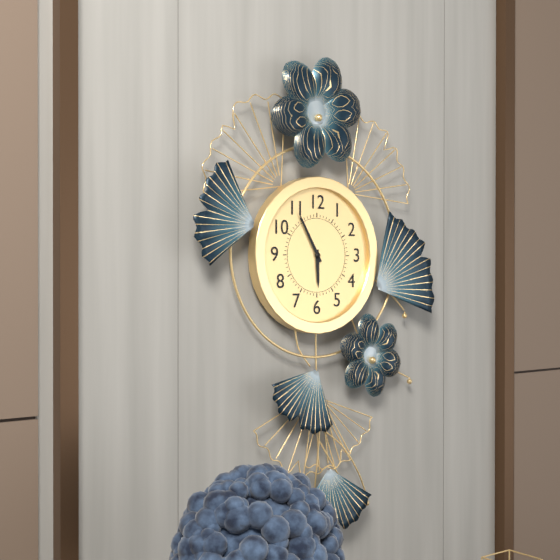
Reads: 5.55
